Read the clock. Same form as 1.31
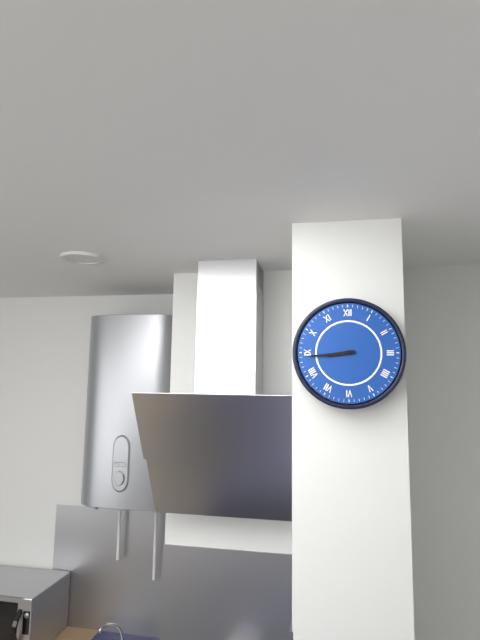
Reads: 8.44
